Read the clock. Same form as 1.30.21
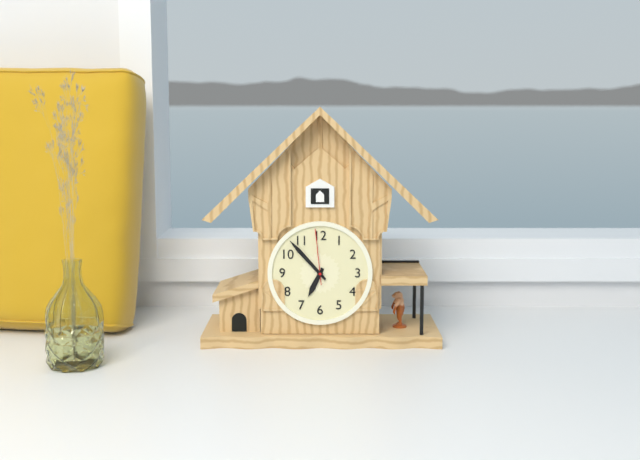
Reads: 6.53.59
